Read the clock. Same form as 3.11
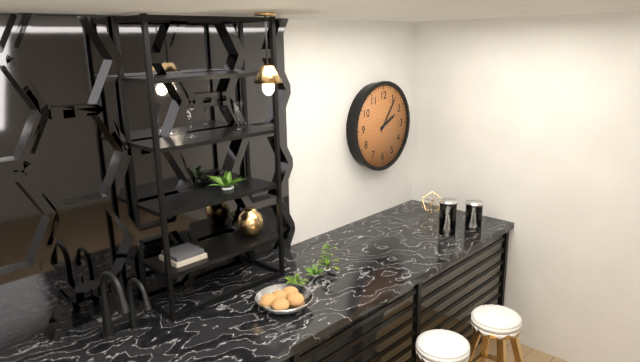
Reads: 2.06
